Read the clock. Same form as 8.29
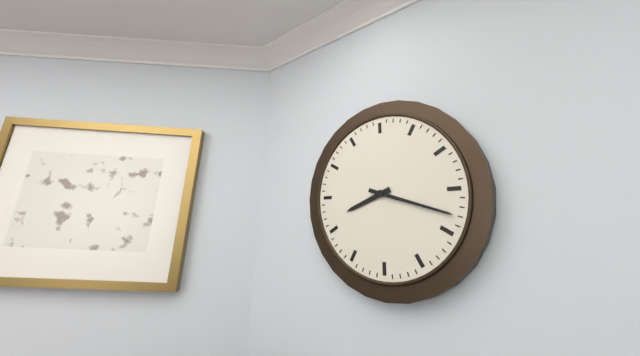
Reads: 8.18
